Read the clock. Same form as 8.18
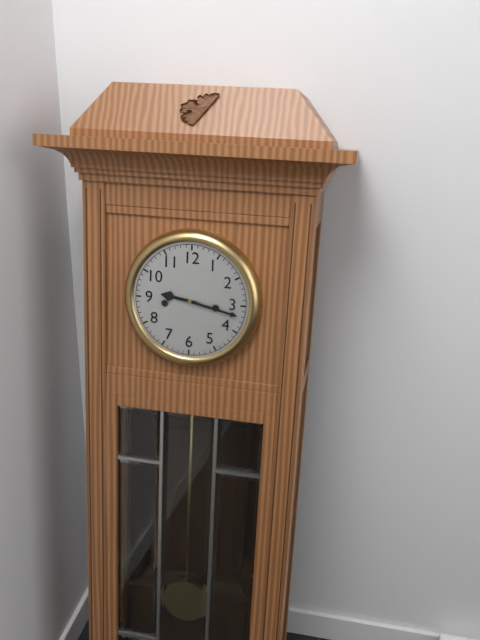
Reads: 9.17
